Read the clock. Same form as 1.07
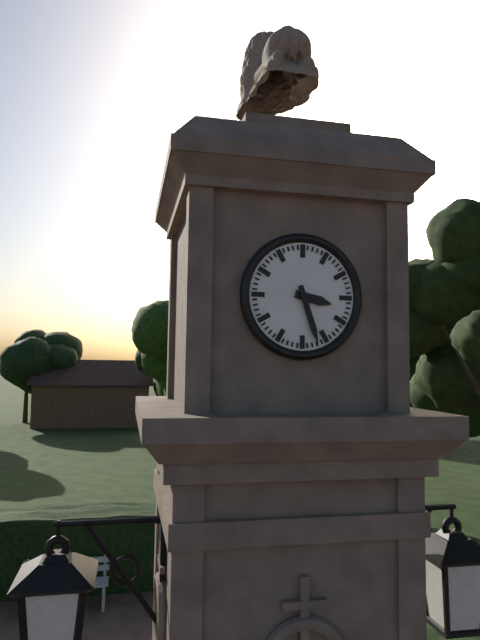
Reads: 3.27
